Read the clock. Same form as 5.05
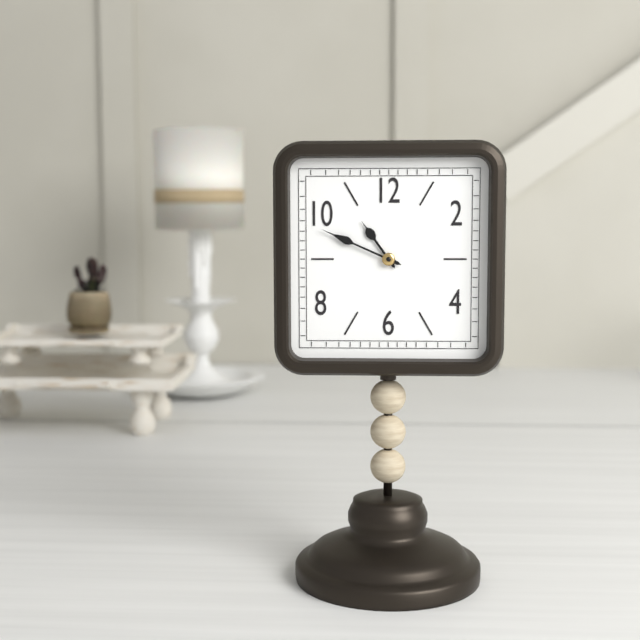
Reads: 10.49
